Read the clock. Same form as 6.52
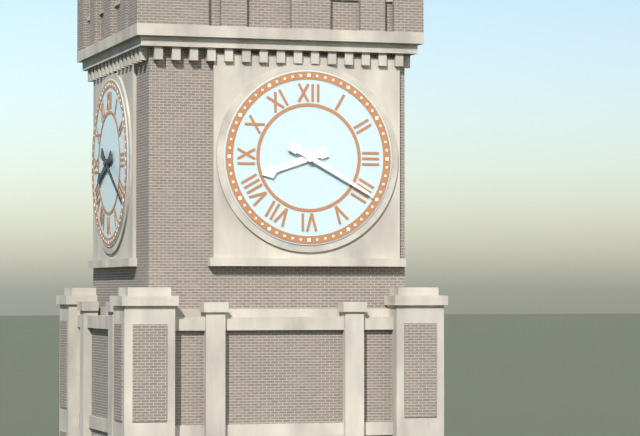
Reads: 8.20
